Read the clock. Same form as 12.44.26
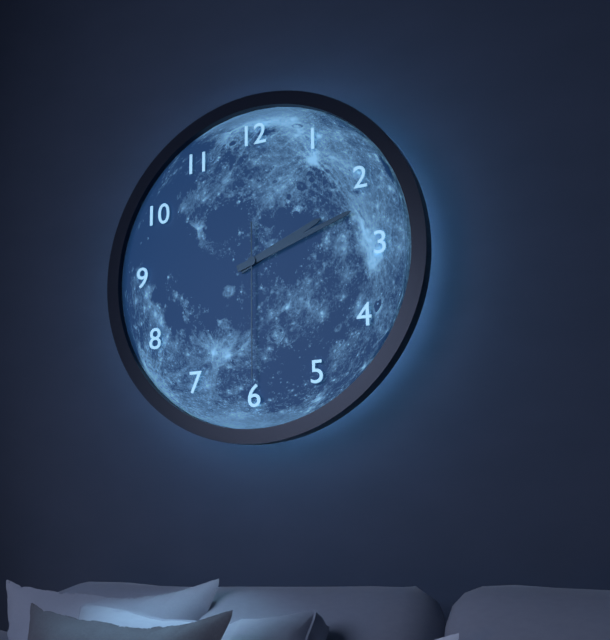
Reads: 2.12.30
